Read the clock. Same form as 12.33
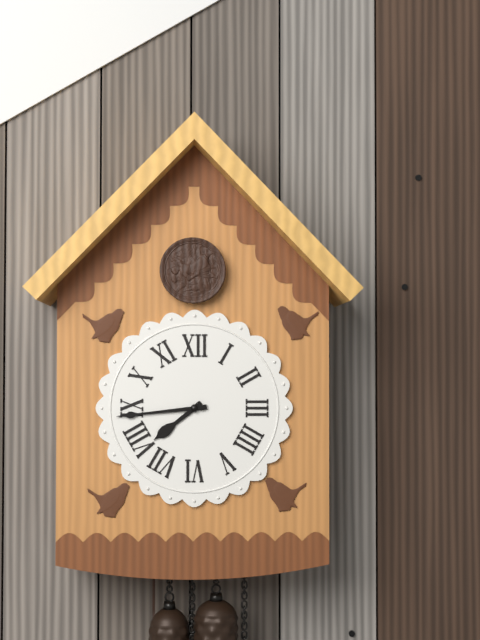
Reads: 7.44
